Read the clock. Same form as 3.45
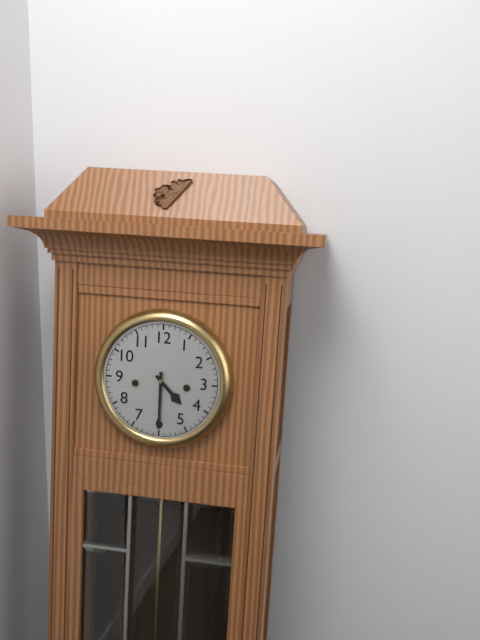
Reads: 4.30
